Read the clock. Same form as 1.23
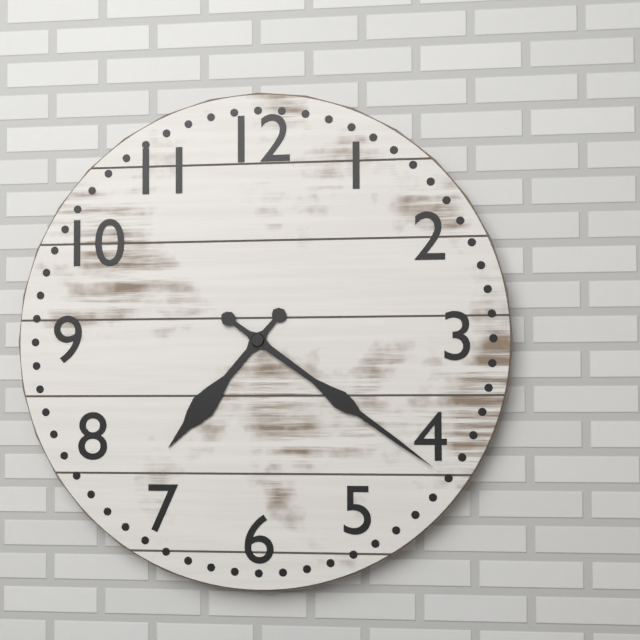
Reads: 7.21
